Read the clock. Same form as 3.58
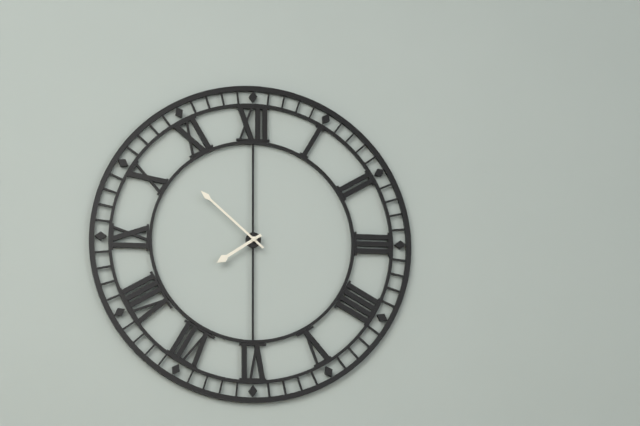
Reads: 7.52
